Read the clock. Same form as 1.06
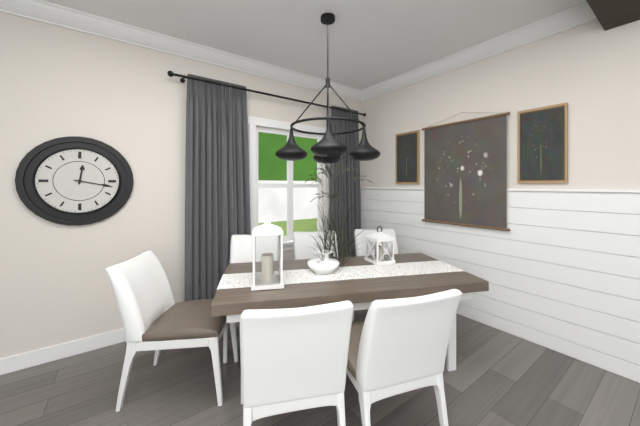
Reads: 12.17
